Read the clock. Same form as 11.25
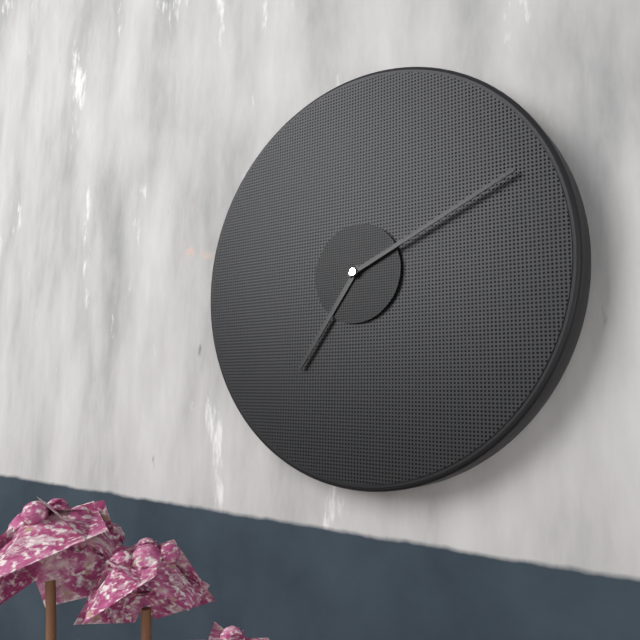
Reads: 7.11
